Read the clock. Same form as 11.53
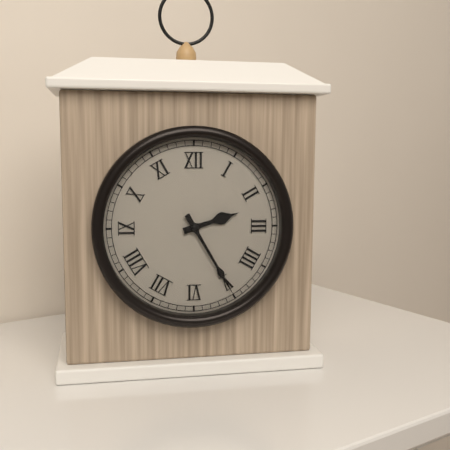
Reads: 2.25
